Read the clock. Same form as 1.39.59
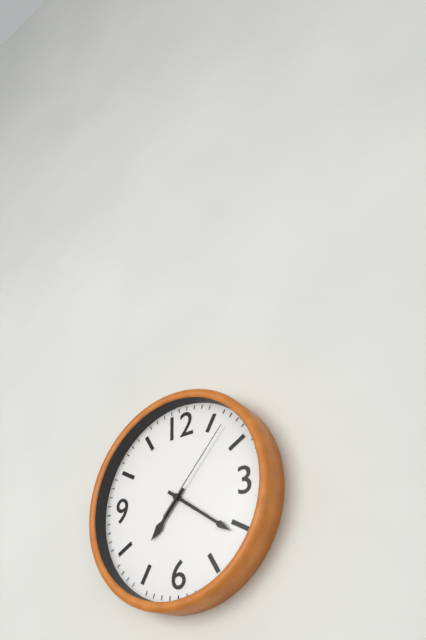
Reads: 7.21.07
